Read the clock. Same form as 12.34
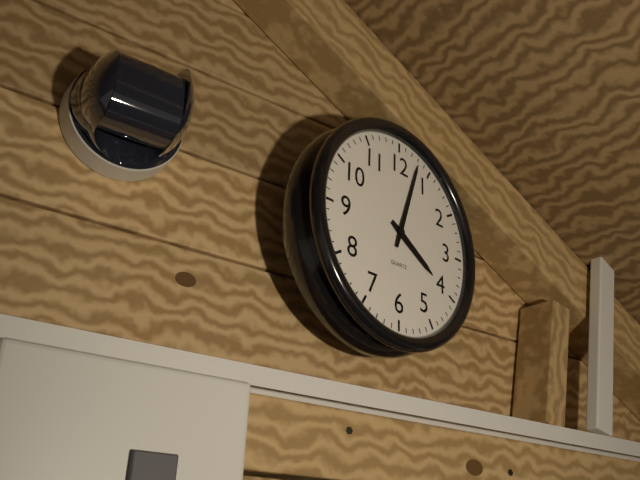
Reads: 4.03
